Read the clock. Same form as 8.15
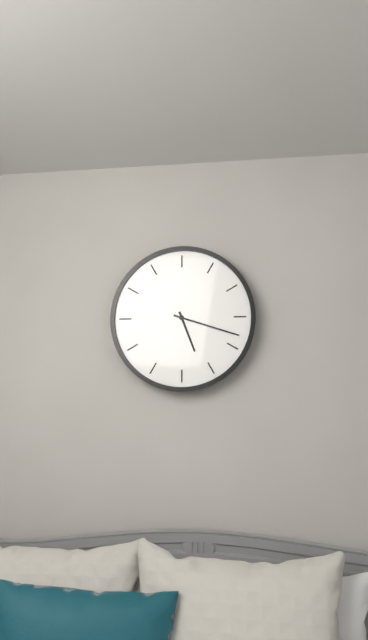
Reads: 5.18
